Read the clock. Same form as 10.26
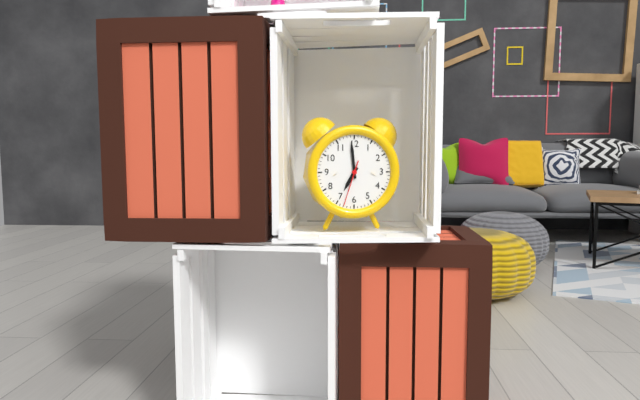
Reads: 6.59
